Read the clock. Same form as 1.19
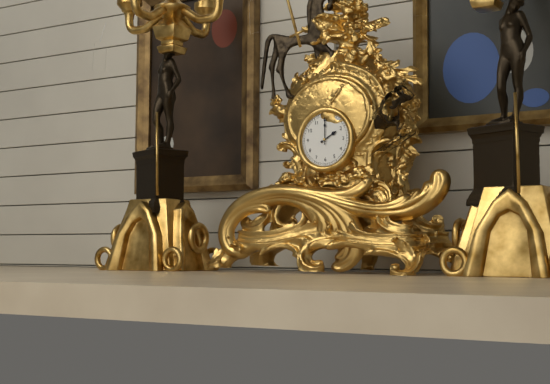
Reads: 2.00
